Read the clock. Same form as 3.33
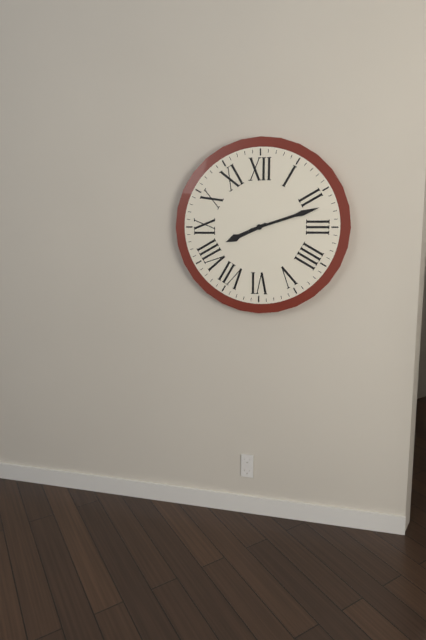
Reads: 8.12
